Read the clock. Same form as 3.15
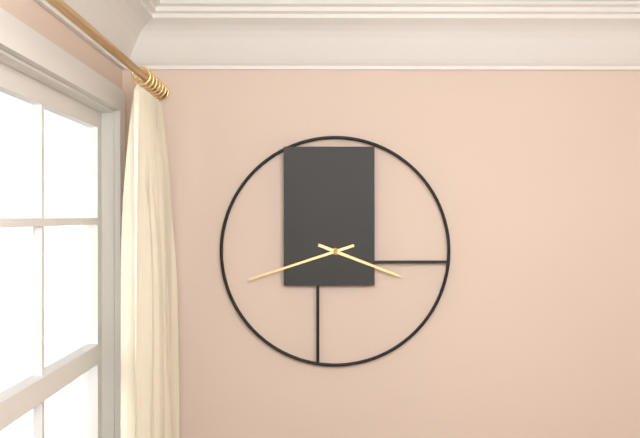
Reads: 3.42
